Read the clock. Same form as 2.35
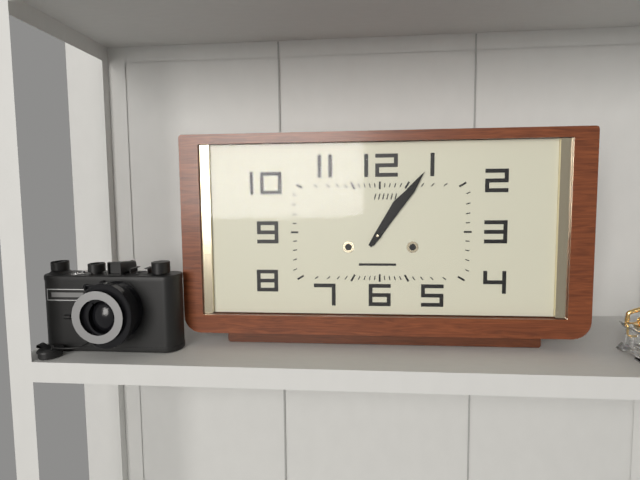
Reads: 1.06
